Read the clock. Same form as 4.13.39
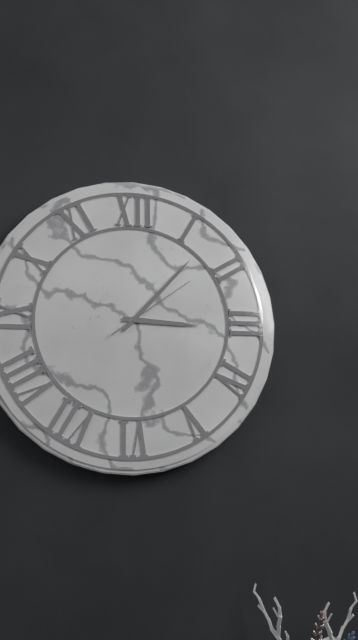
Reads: 3.07.09
